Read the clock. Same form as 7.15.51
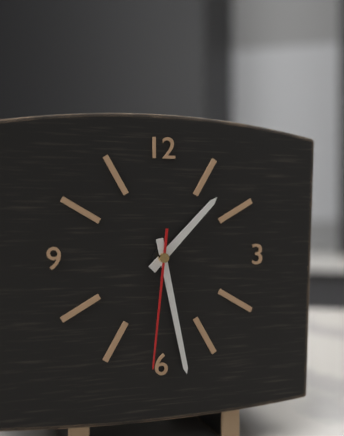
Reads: 1.28.31
